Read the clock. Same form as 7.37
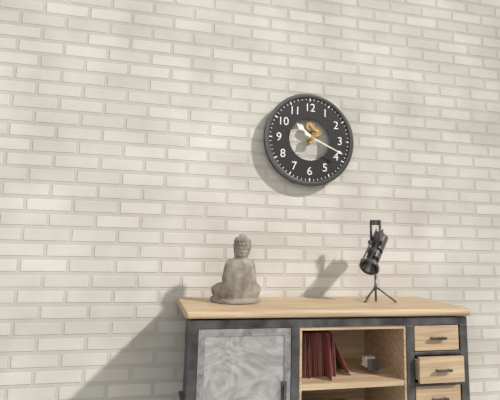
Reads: 10.19
